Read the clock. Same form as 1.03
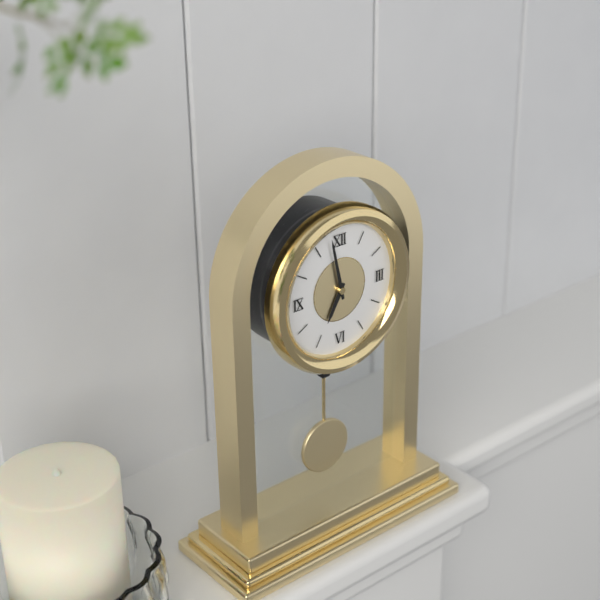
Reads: 6.58
